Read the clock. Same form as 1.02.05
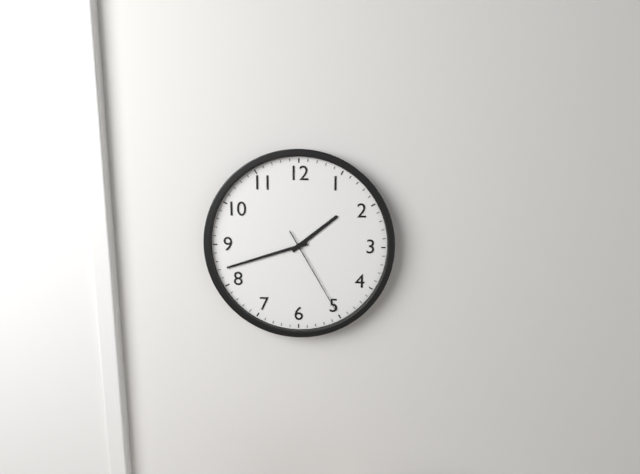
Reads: 1.42.25
